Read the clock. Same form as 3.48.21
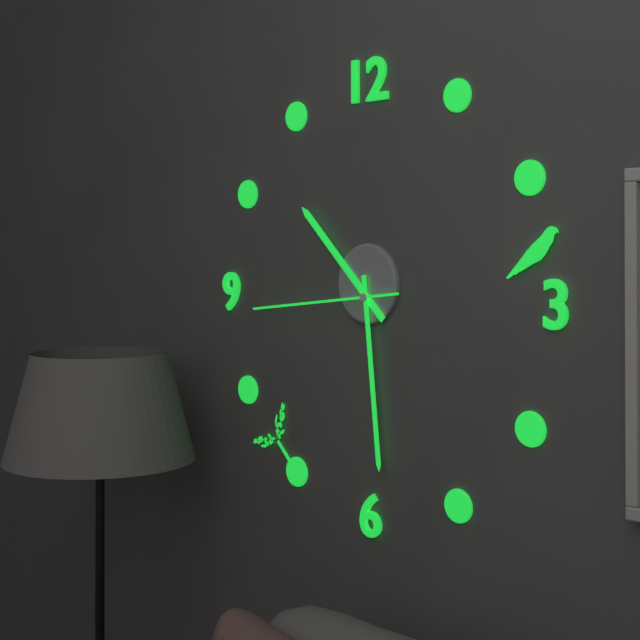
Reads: 10.29.44
